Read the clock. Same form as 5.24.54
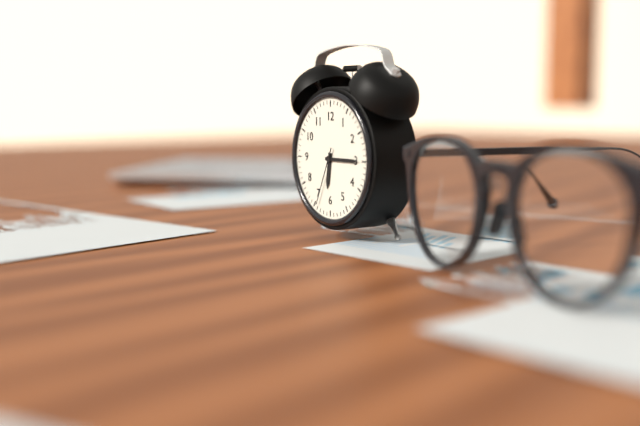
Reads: 6.15.34
